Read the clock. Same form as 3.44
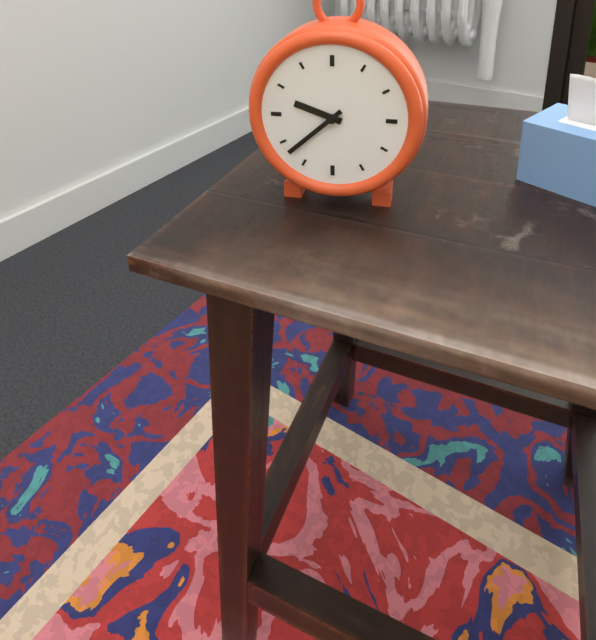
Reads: 9.38
